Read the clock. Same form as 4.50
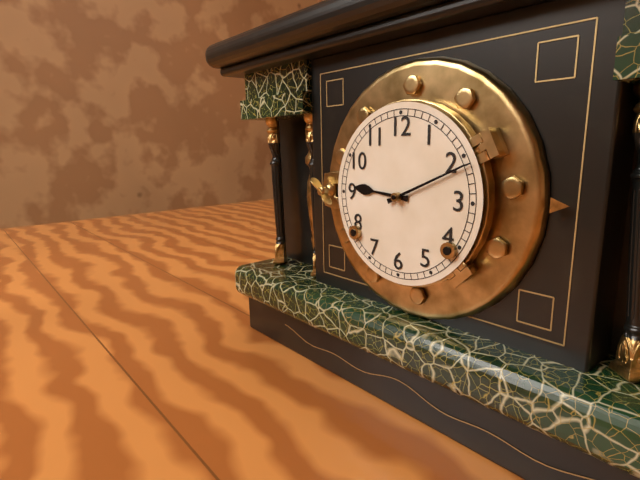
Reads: 9.11
